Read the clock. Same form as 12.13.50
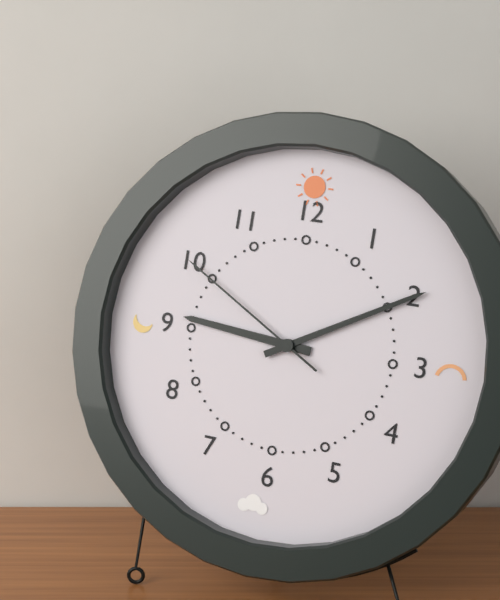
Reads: 9.10.50
